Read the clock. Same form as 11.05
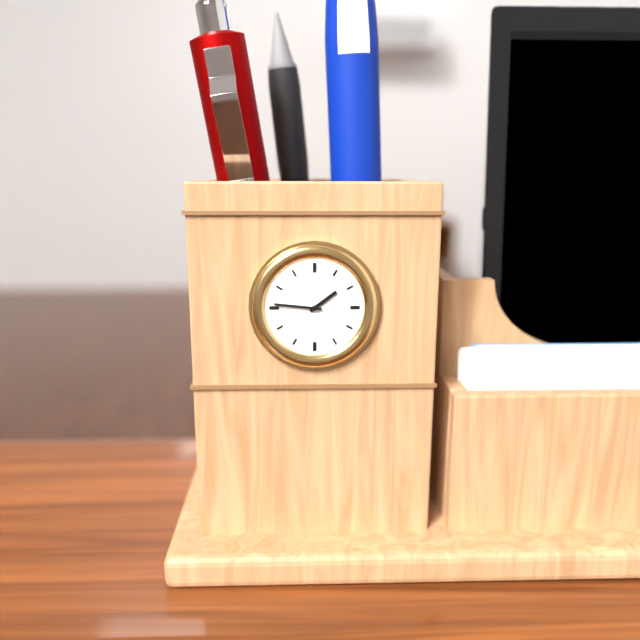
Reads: 1.46
